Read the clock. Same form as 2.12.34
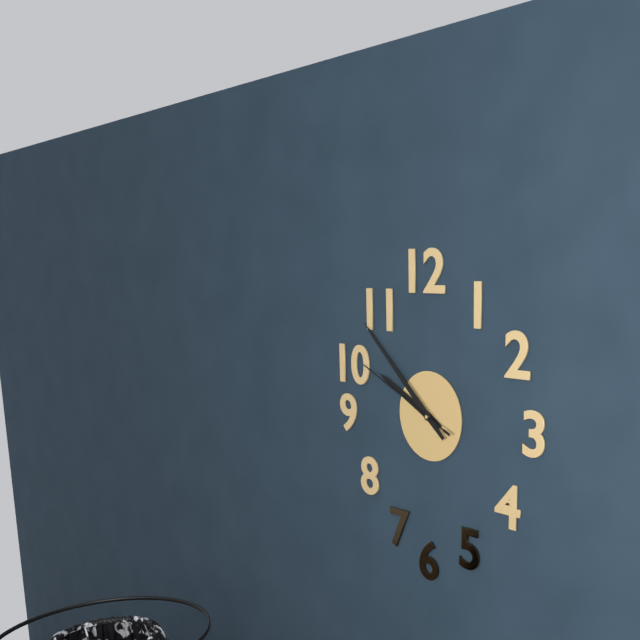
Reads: 9.52.49
